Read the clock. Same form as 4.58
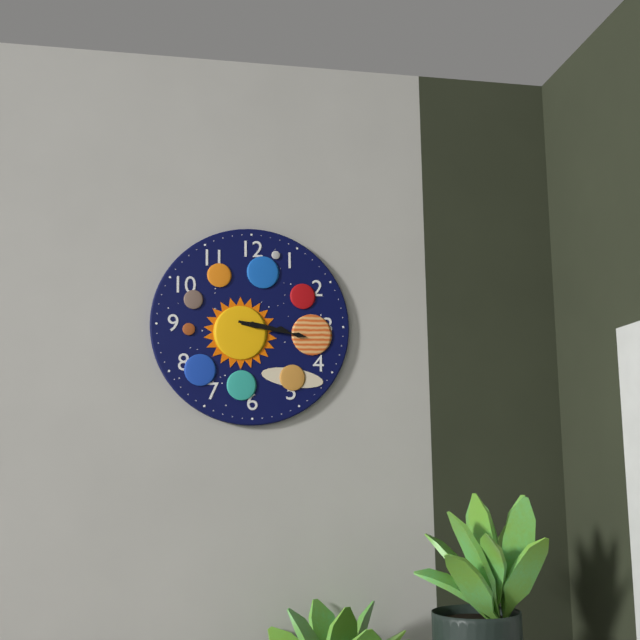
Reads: 3.17
